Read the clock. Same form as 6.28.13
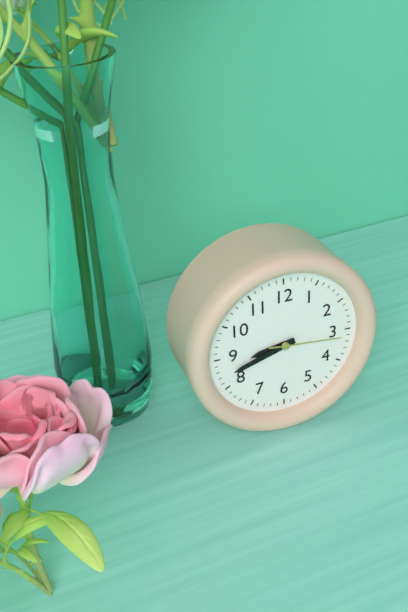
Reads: 8.42.16
